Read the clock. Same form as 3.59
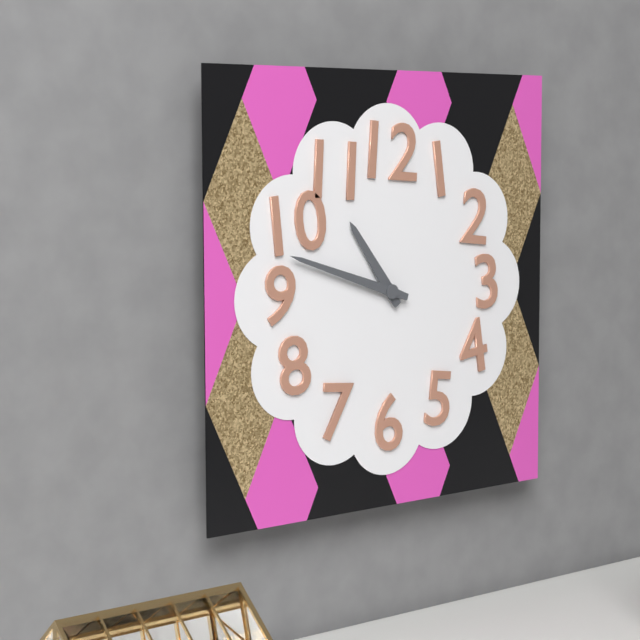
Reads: 10.48
